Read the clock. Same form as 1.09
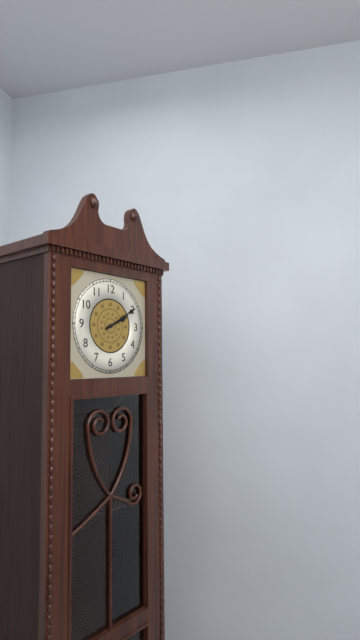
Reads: 2.10
